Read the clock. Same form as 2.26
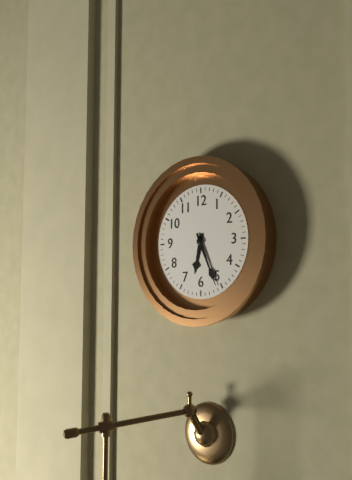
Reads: 6.26
